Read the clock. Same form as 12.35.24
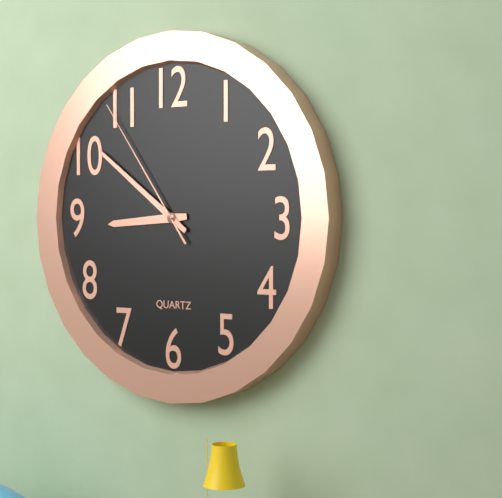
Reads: 8.51.54
